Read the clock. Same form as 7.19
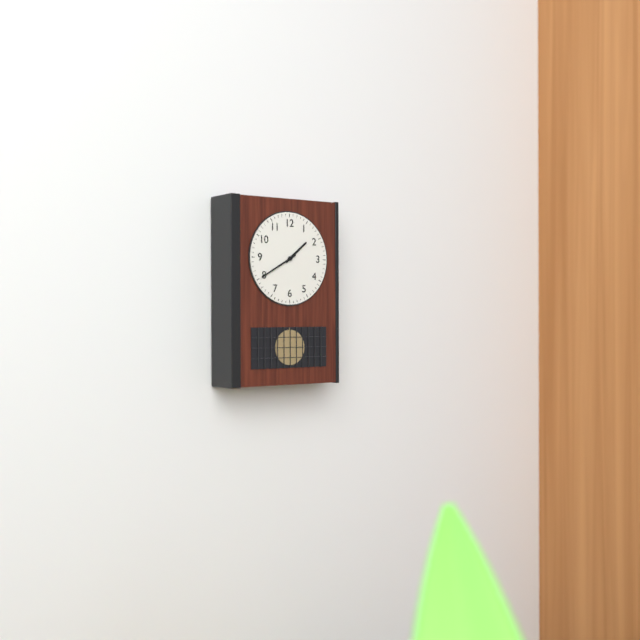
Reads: 1.40
